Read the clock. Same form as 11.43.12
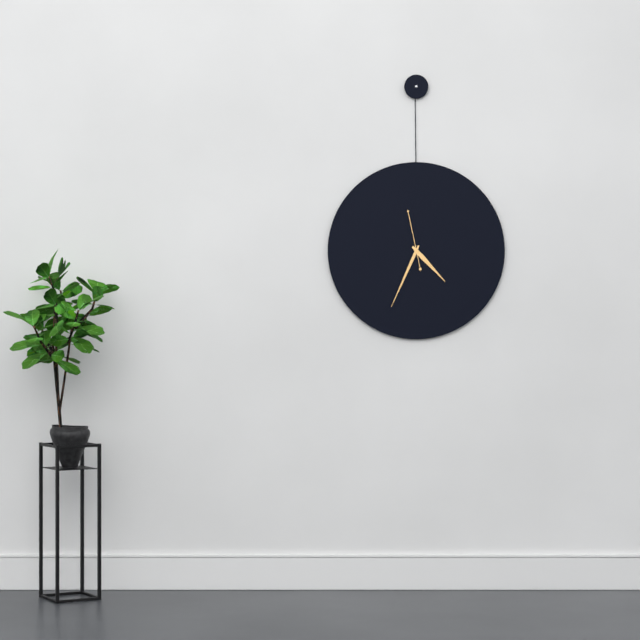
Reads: 4.34.58
